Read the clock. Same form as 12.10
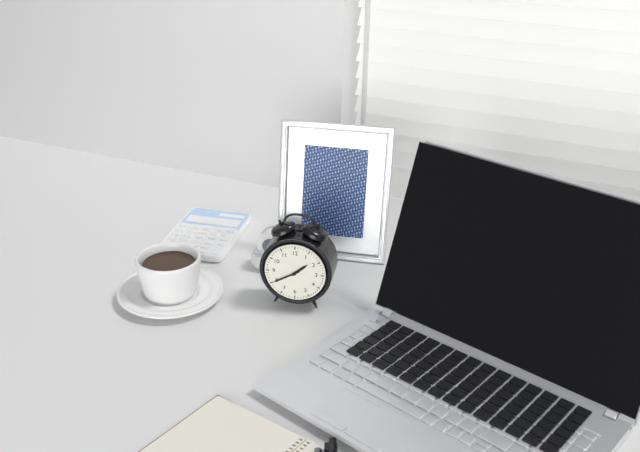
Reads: 1.40
